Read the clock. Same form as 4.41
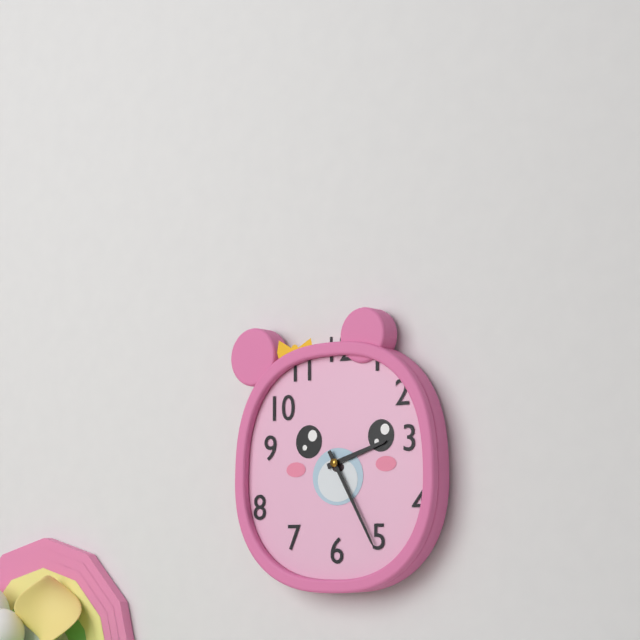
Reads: 2.25
